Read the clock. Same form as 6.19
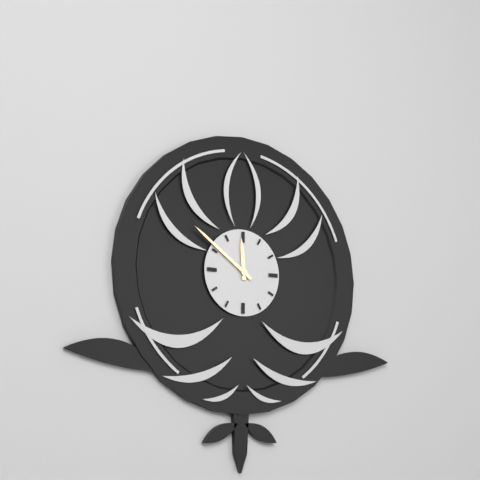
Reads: 11.51
